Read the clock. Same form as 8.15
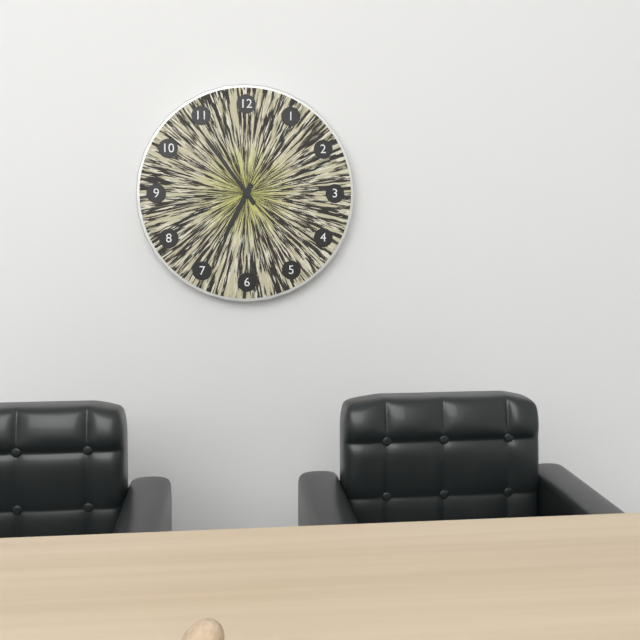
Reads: 6.54
